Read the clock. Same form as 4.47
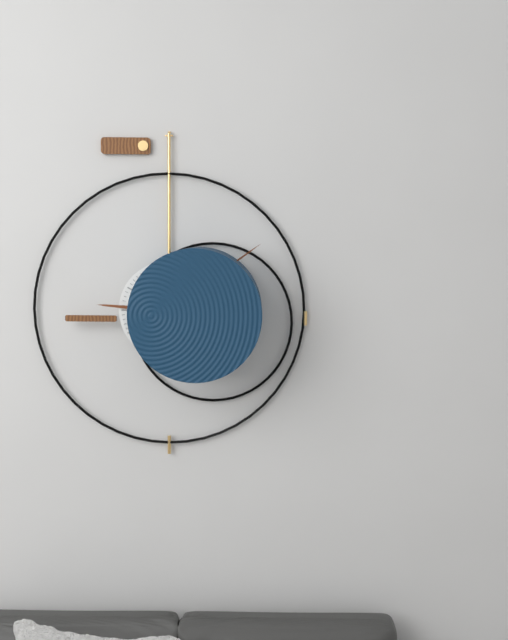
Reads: 9.09
